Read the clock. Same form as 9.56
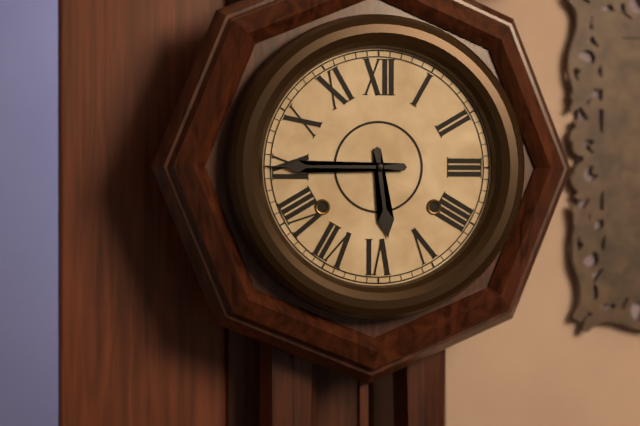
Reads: 5.45
